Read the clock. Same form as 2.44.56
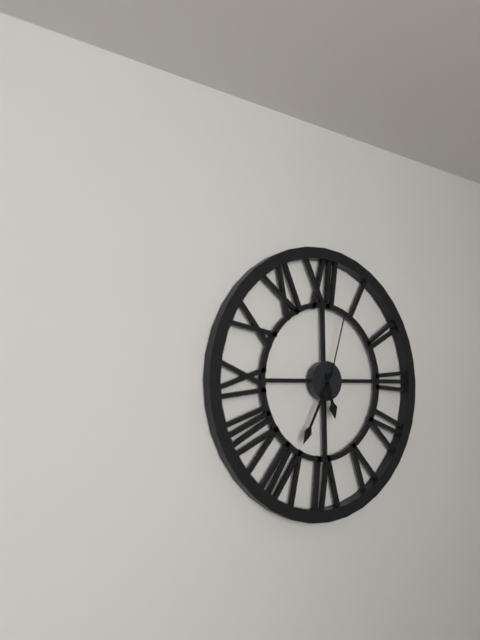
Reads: 5.35.03
